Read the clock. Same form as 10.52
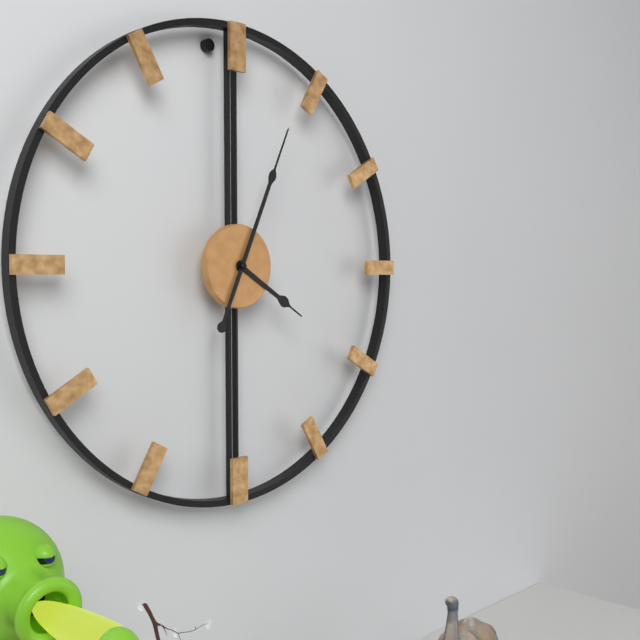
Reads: 4.04
